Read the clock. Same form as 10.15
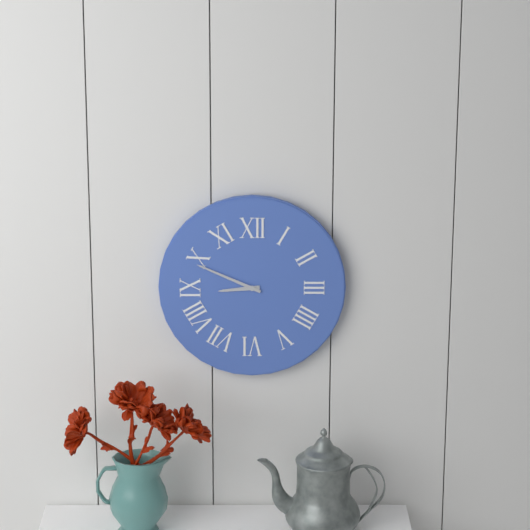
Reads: 8.49
